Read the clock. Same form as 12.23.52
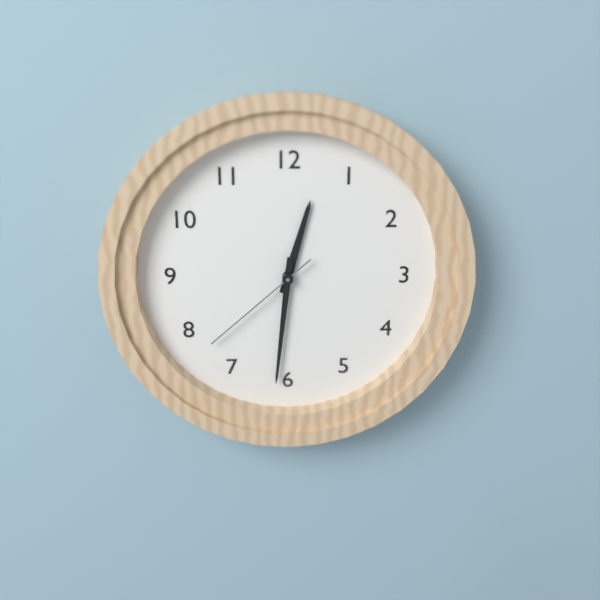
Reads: 12.31.38
